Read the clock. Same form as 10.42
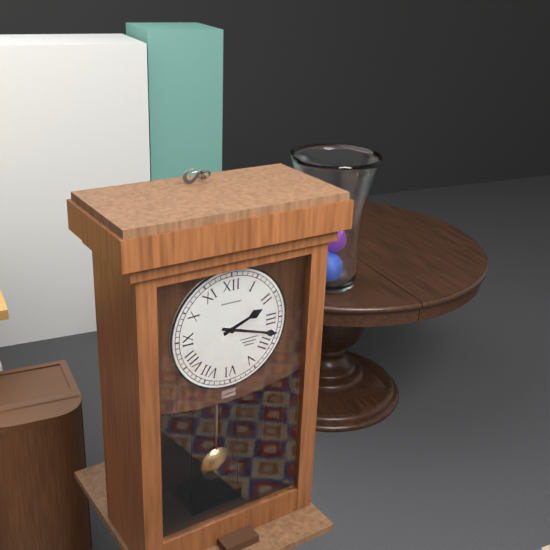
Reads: 2.18
